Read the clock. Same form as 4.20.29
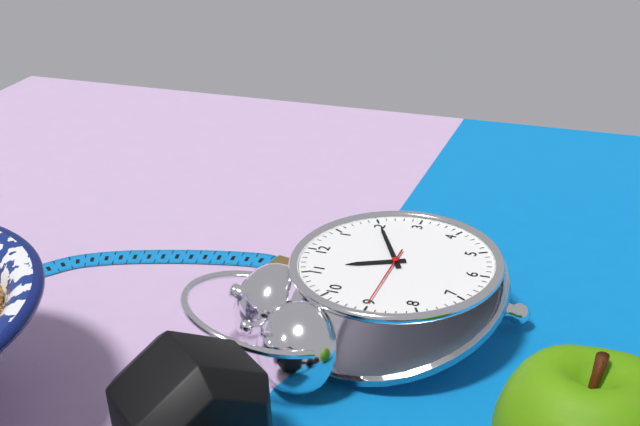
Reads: 11.10.45
